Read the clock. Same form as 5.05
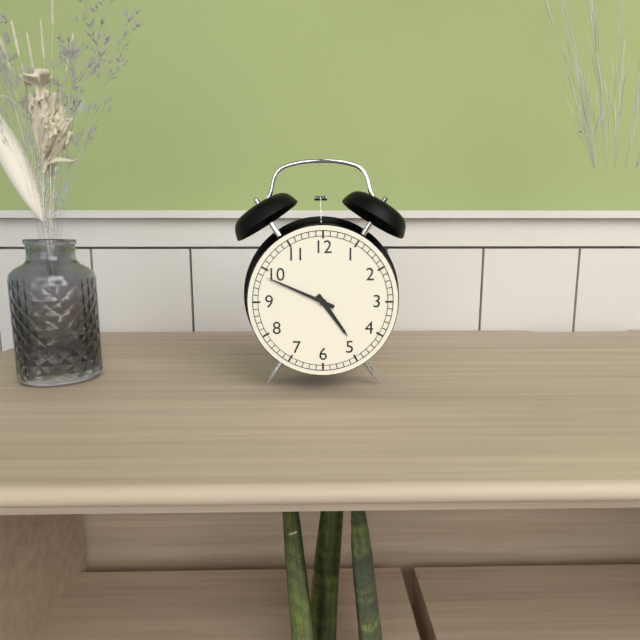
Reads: 4.49
